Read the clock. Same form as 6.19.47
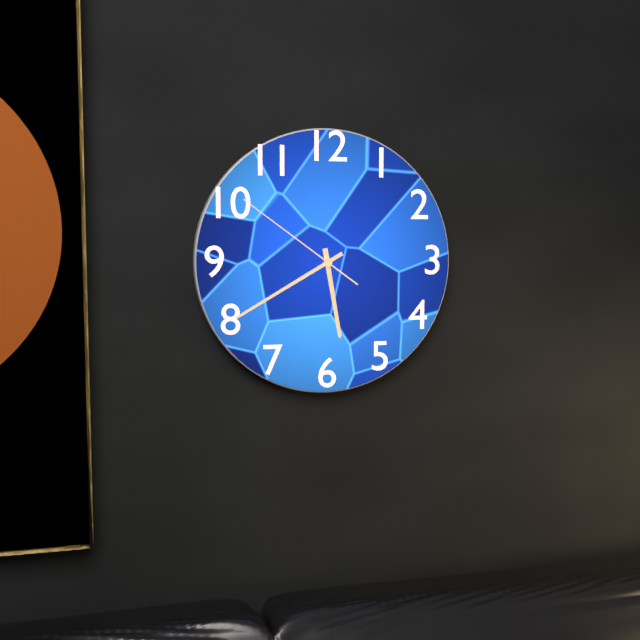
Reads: 5.40.51
